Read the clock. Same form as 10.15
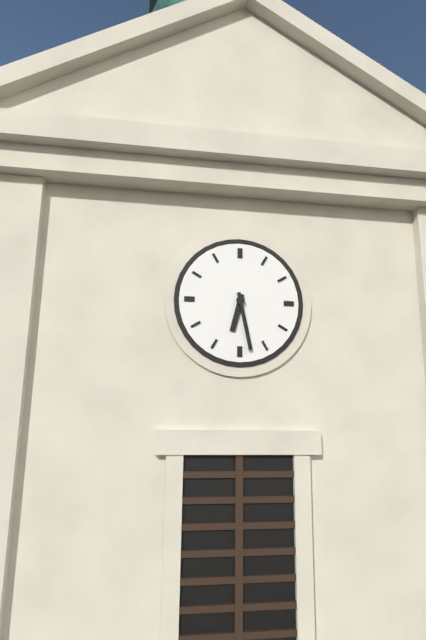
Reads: 6.28
